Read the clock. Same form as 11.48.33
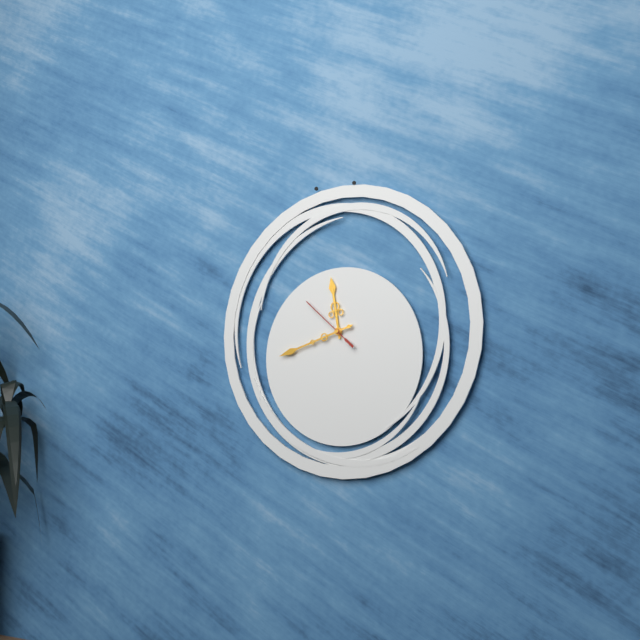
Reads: 11.42.52
